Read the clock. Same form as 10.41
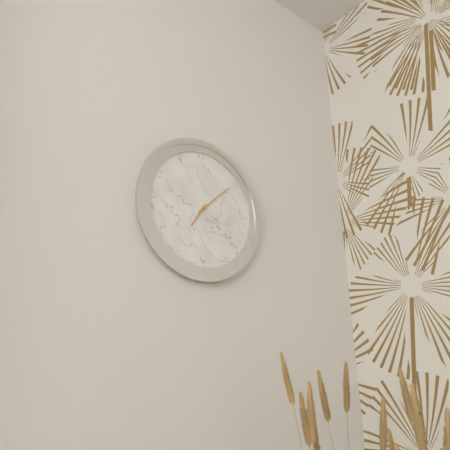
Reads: 7.08
